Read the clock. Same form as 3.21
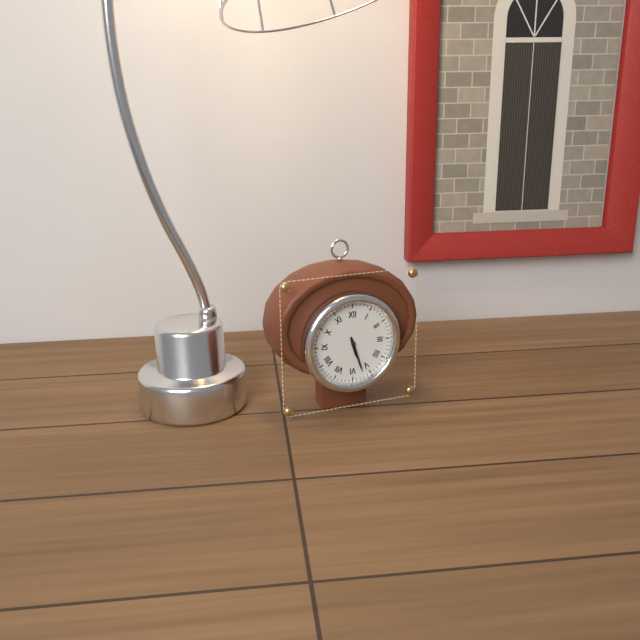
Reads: 5.27
